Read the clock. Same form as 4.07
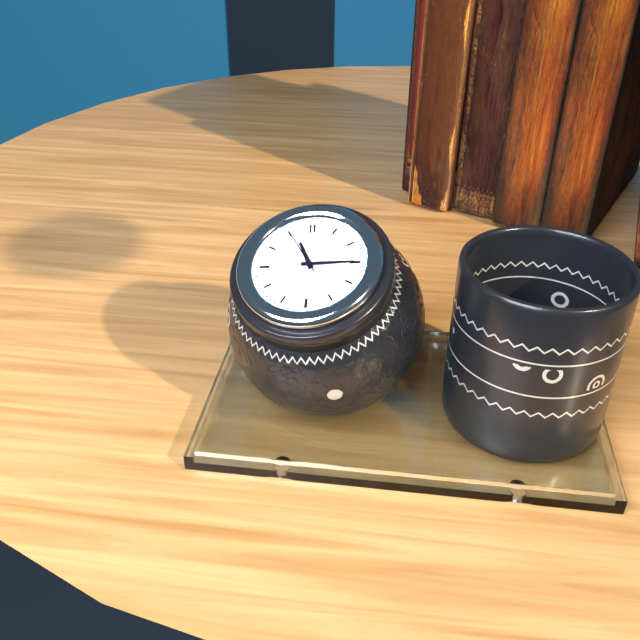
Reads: 11.15
